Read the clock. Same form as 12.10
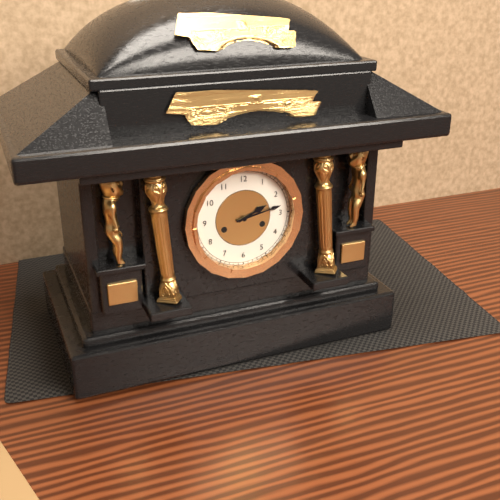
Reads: 2.13
